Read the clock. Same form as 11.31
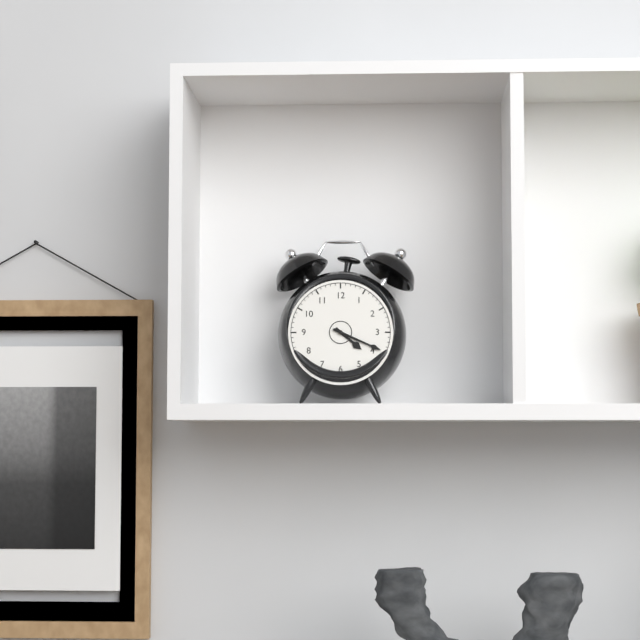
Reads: 4.19
